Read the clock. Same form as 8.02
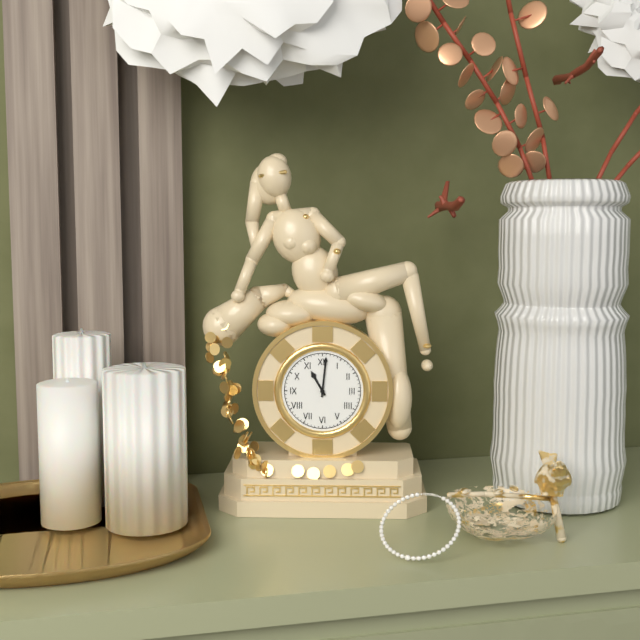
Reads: 11.01
